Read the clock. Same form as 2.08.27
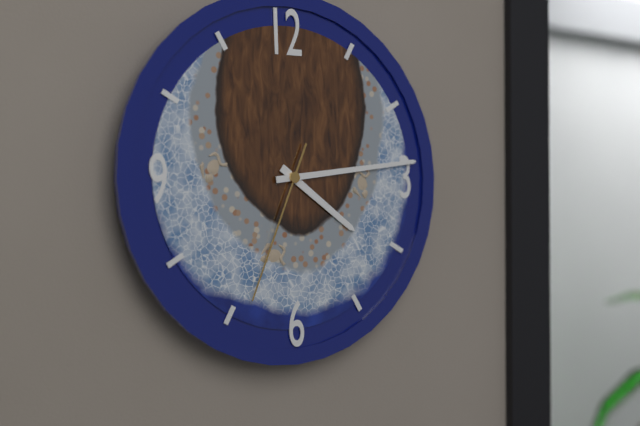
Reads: 4.14.34
